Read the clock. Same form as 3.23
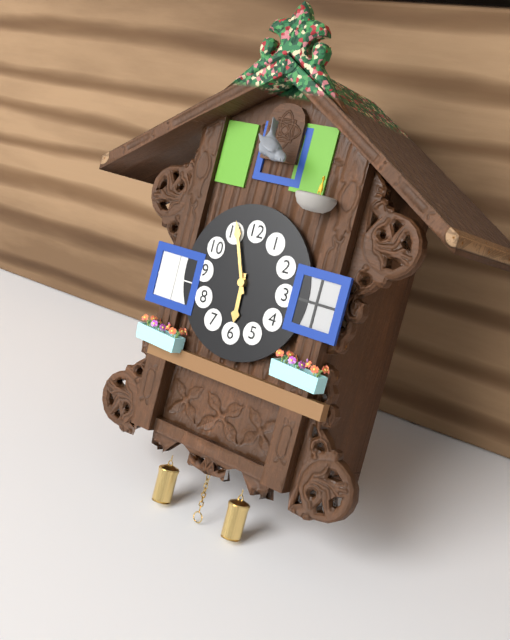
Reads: 5.56
